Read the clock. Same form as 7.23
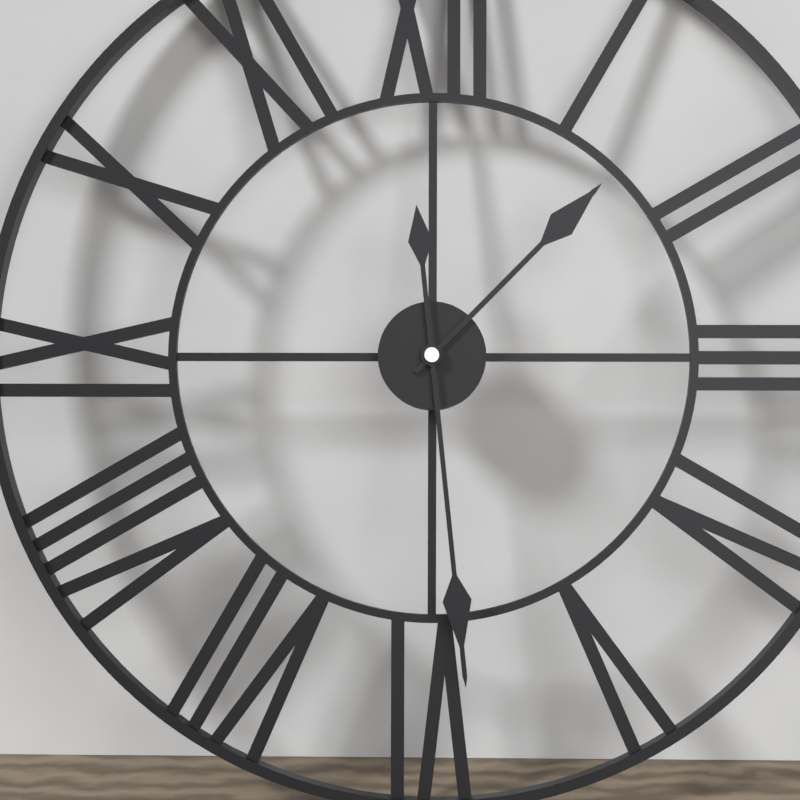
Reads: 1.29
